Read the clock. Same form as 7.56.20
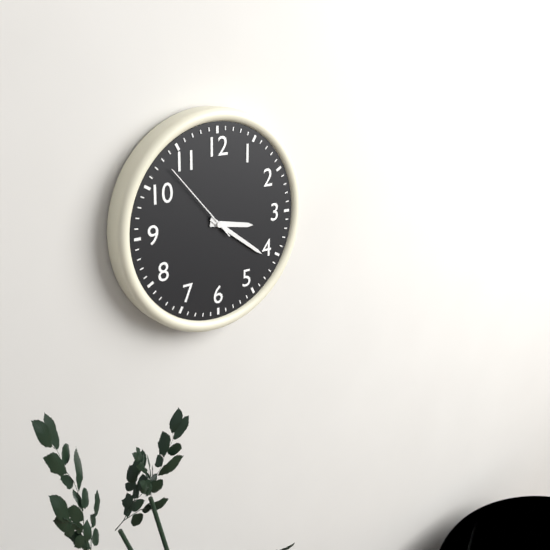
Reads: 3.21.53
